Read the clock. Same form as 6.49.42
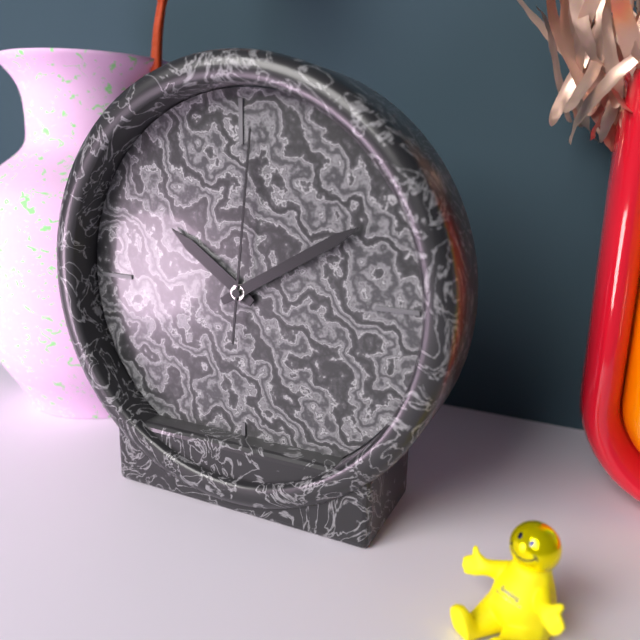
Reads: 10.10.01
